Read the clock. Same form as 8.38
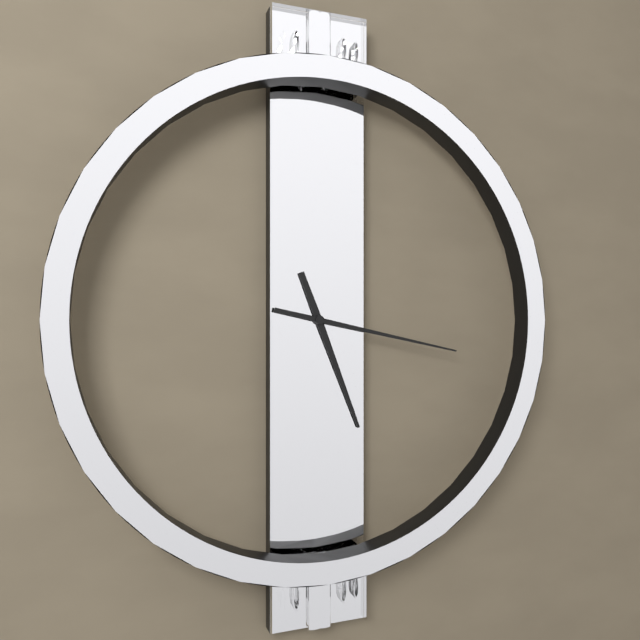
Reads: 5.17
